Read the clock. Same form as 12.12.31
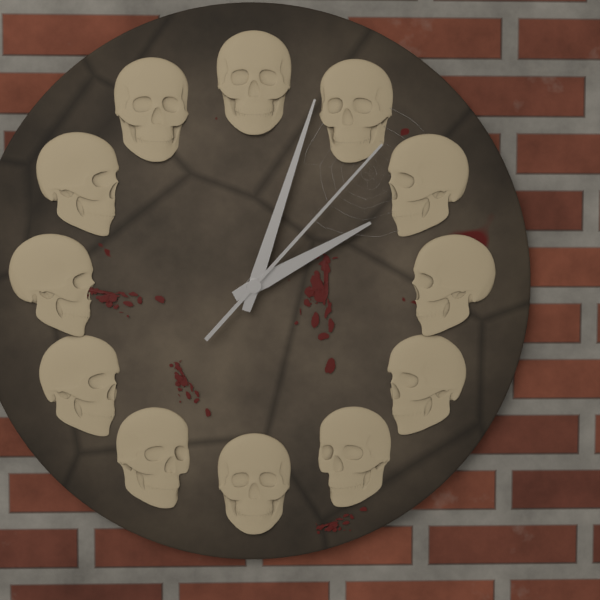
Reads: 2.03.07
